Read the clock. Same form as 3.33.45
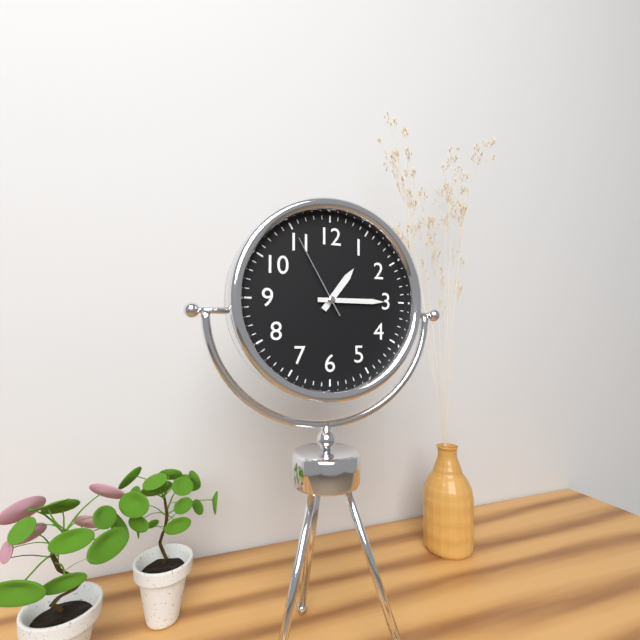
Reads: 1.15.55
